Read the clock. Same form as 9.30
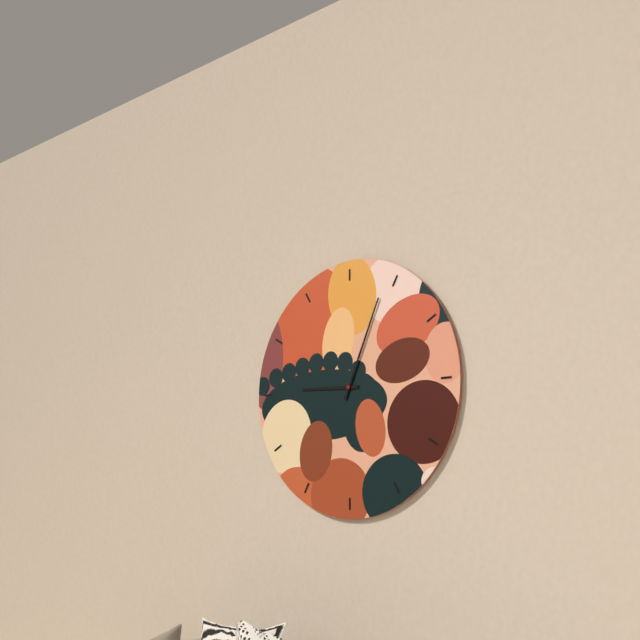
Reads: 9.04
